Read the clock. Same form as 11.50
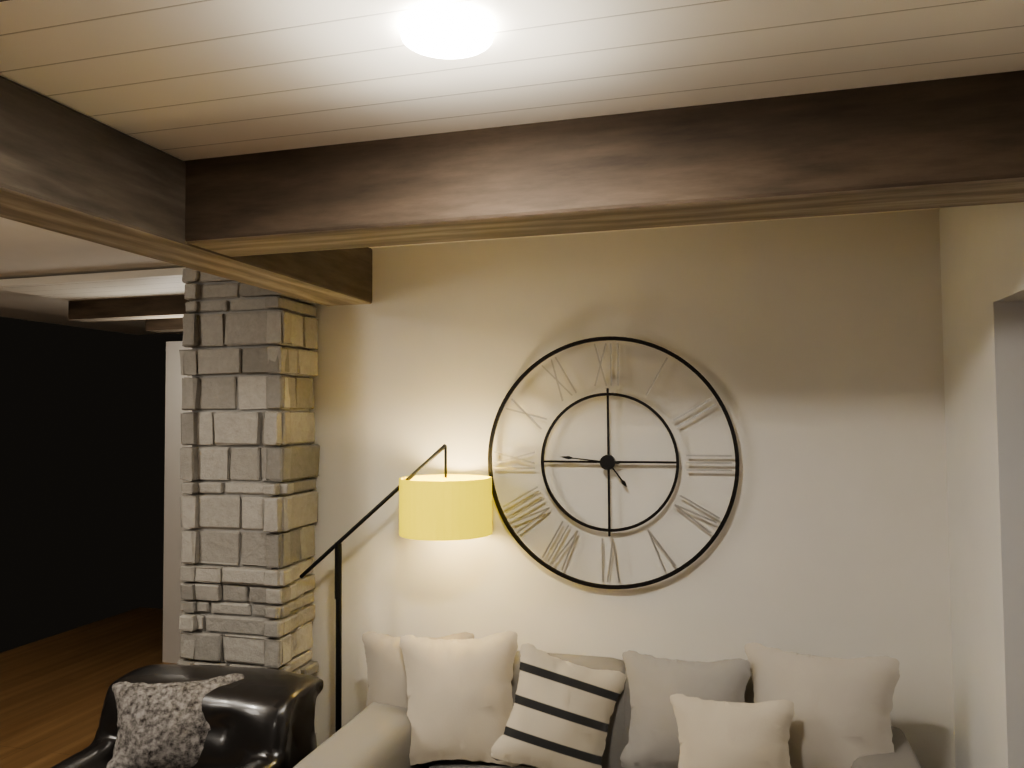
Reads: 4.46
